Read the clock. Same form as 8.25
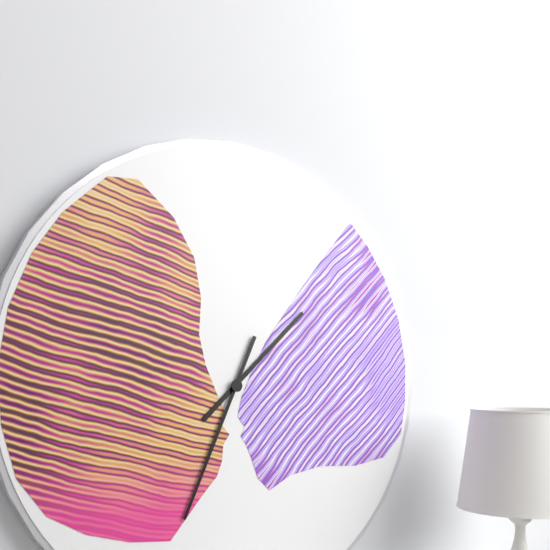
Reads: 1.34
